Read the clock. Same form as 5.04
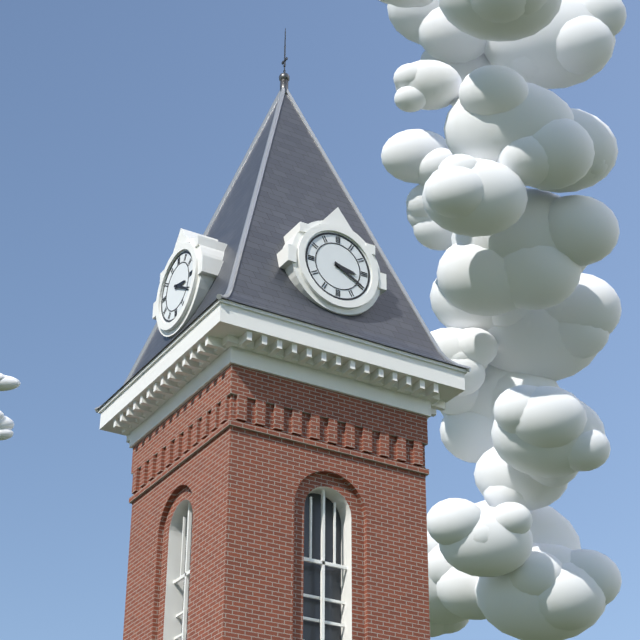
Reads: 3.20
